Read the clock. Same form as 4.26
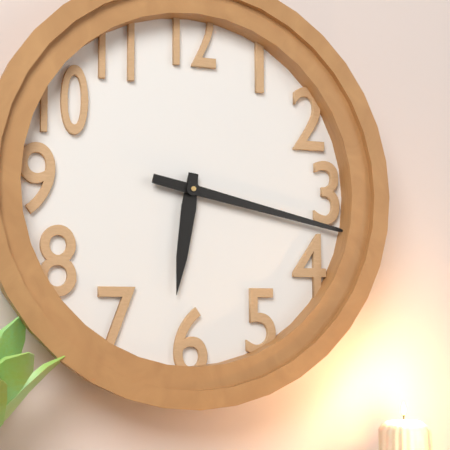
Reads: 6.17
